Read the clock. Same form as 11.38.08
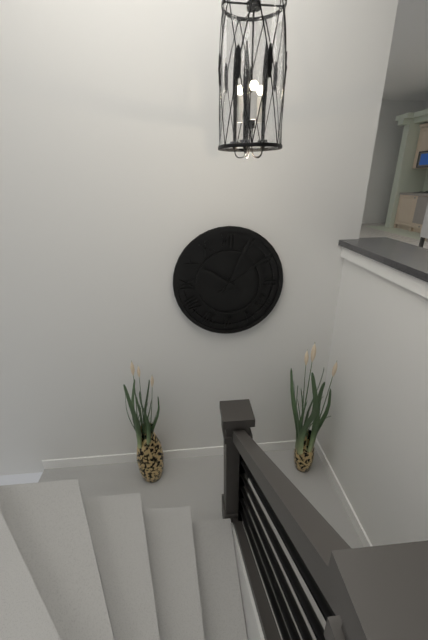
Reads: 10.04.09
